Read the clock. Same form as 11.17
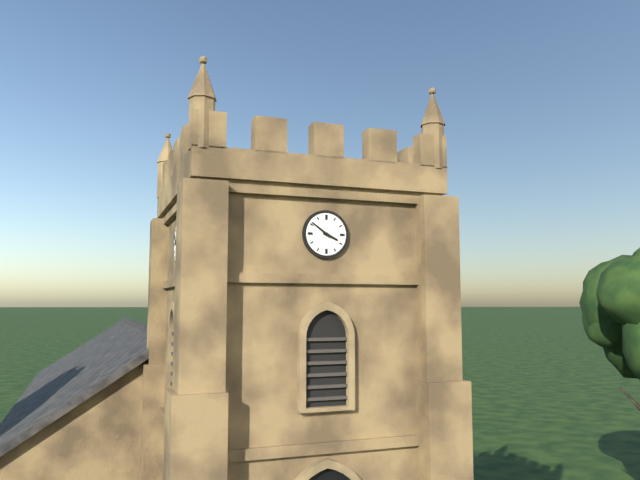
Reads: 3.51
